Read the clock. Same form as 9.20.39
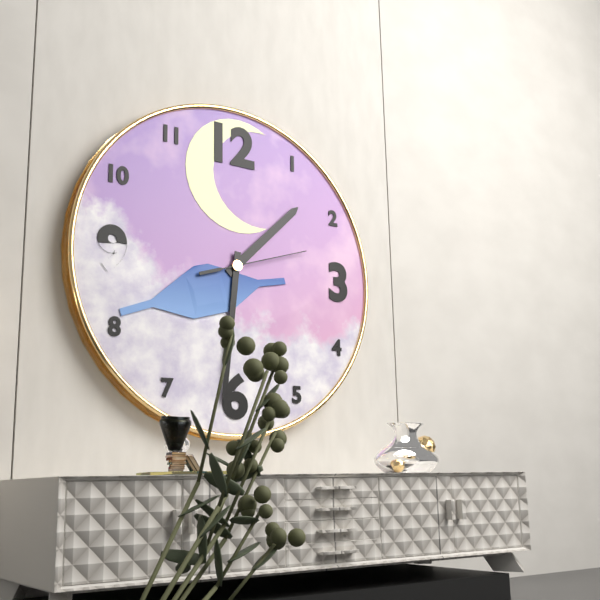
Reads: 1.31.12
